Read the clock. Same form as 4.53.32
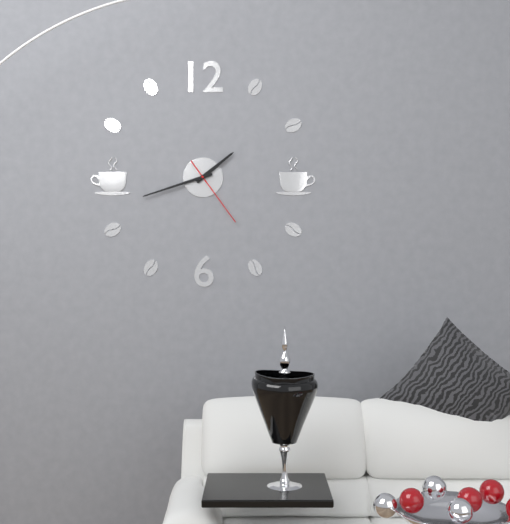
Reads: 1.42.24
